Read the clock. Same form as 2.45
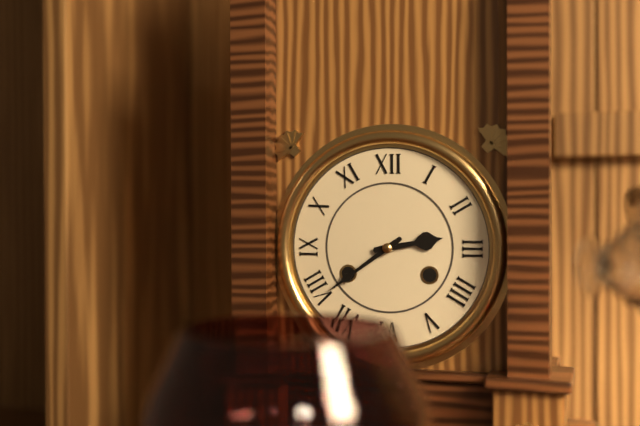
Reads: 2.39
